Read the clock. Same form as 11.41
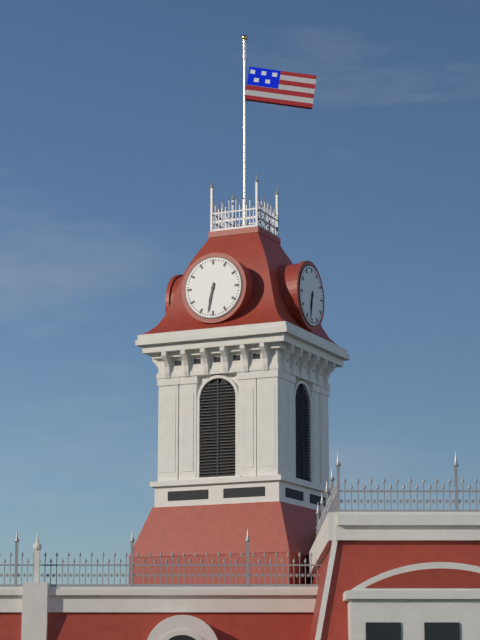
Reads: 6.32
